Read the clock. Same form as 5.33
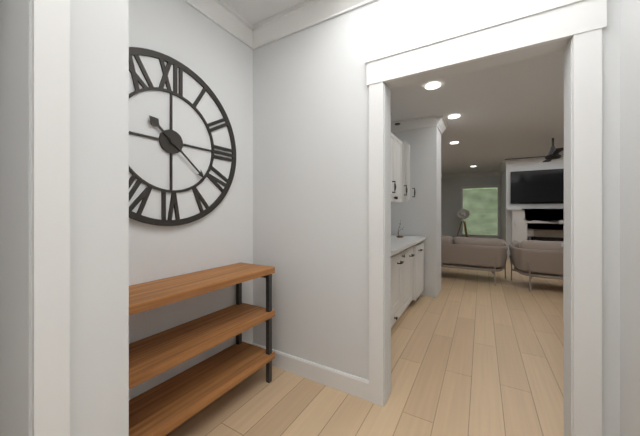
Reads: 10.22
